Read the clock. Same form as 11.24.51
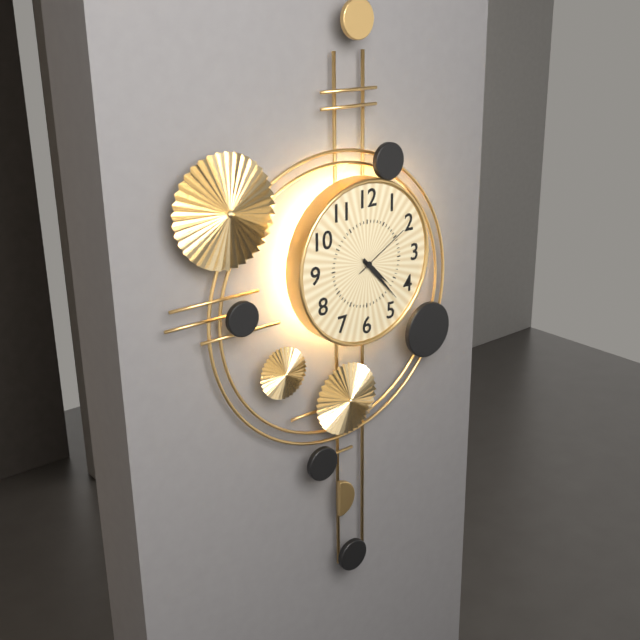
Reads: 4.23.10
